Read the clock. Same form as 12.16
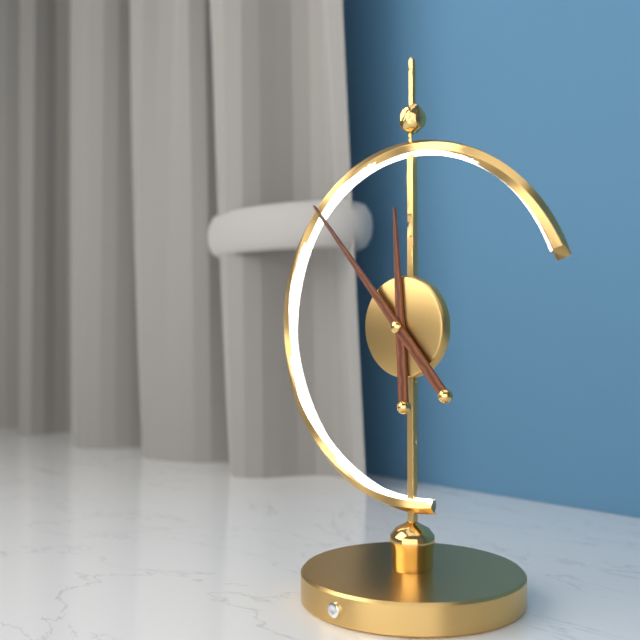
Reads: 11.53
